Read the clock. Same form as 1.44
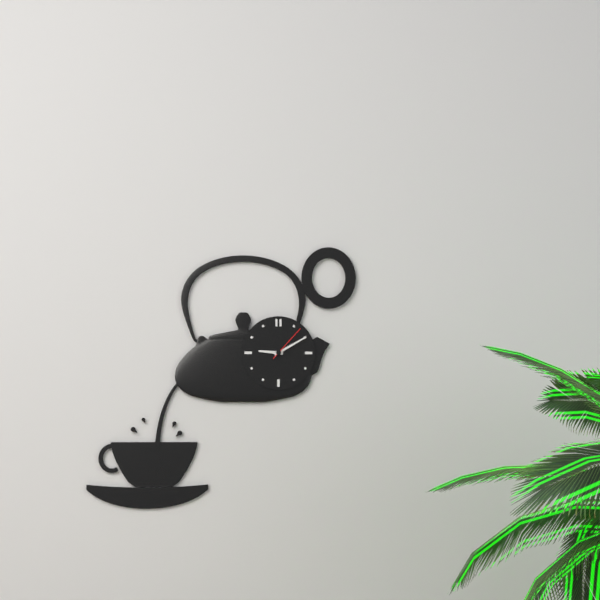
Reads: 9.10
